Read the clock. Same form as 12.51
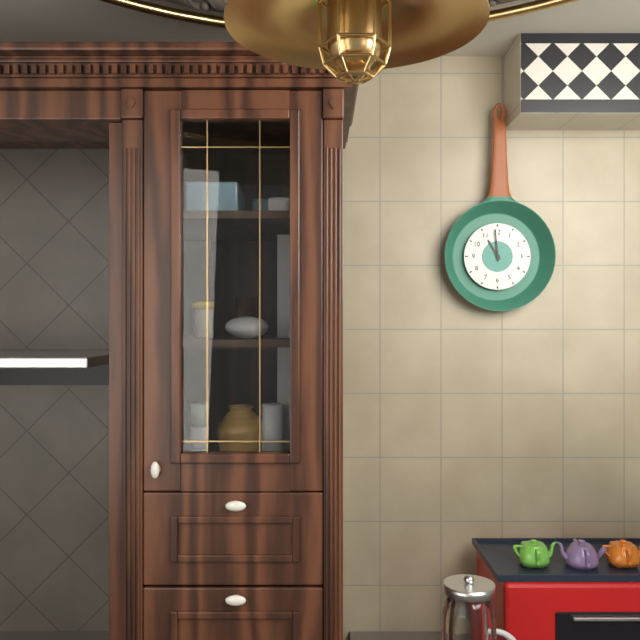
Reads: 10.59
